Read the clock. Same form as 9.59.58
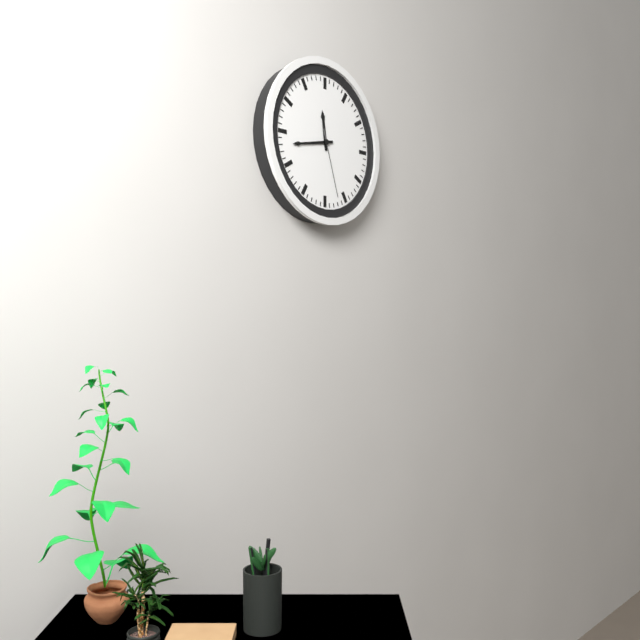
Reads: 11.43.27
